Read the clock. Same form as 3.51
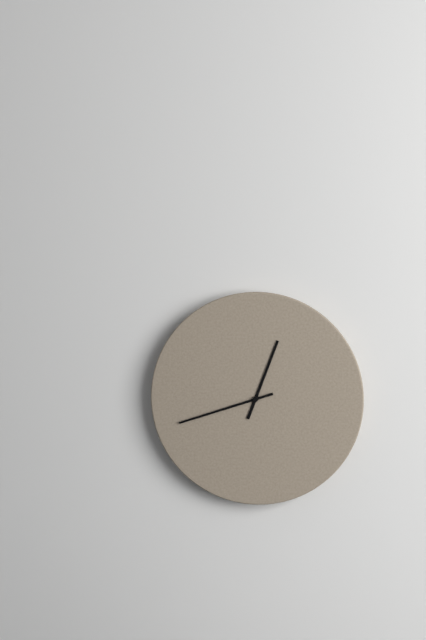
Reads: 12.42
